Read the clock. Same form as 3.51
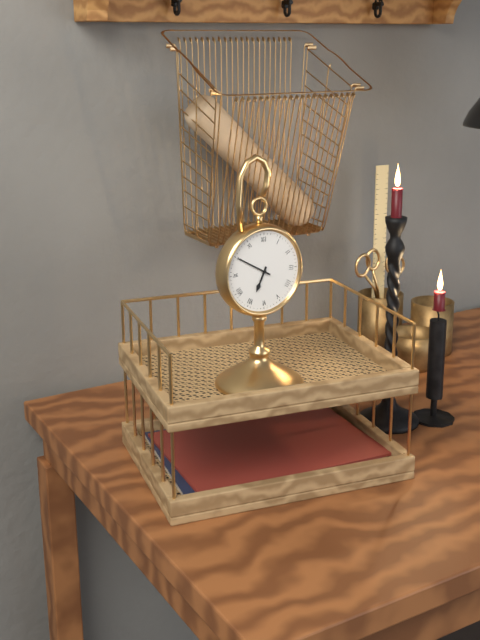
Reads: 6.50
